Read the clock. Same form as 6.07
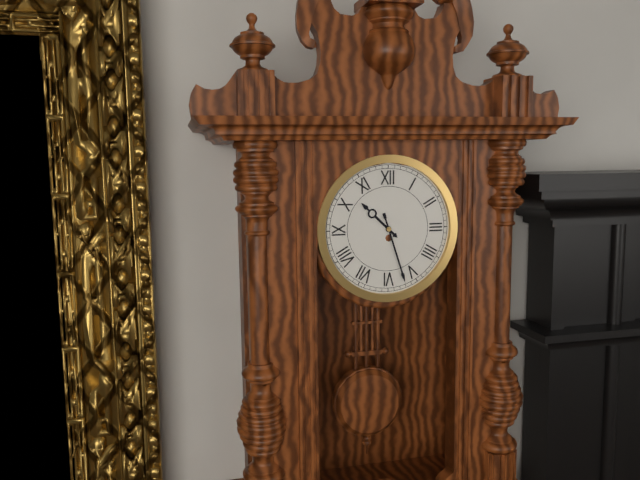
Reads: 10.27
